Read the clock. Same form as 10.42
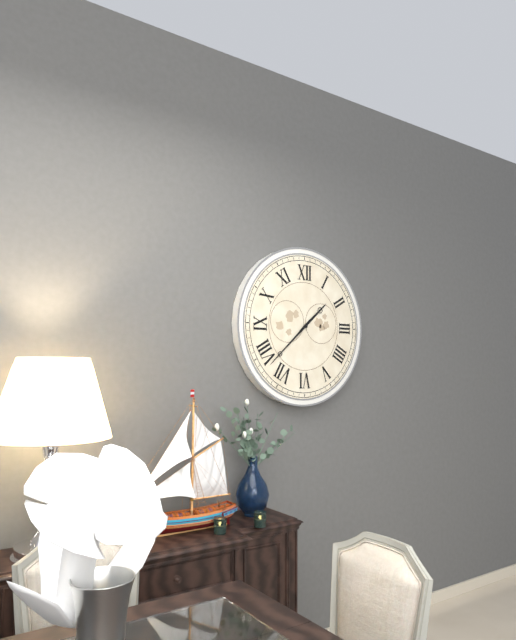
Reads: 1.38
